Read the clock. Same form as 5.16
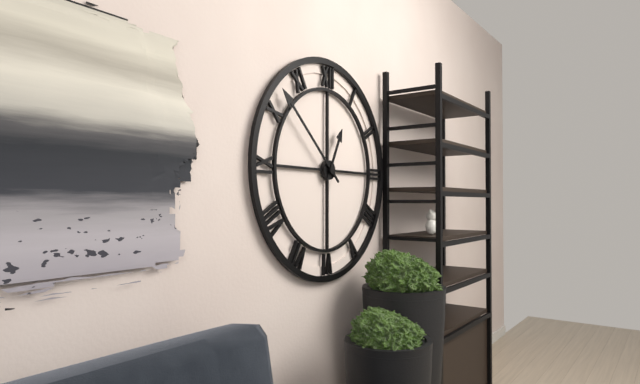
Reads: 12.52
